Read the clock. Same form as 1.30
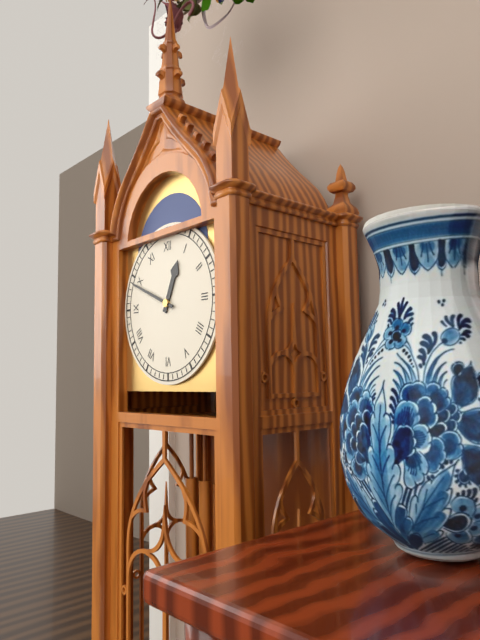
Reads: 12.49
